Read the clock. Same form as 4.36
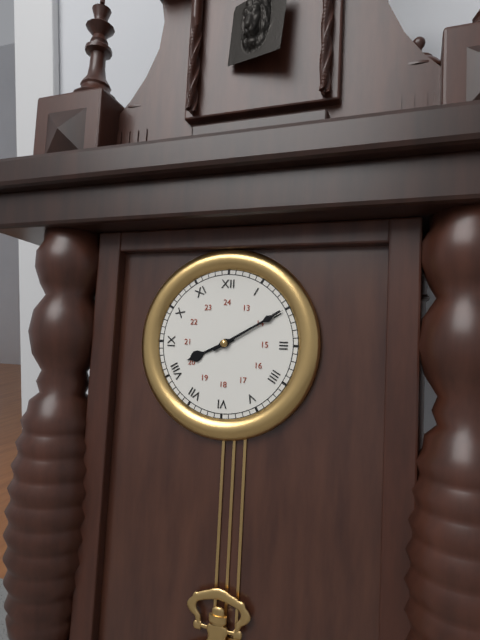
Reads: 8.10
